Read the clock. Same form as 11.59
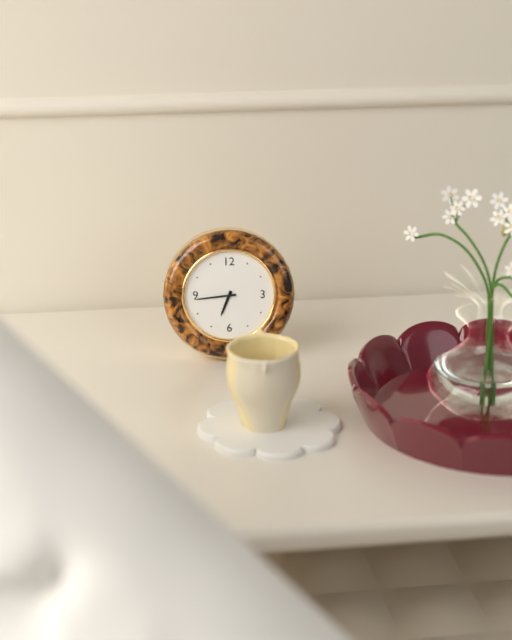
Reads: 6.44
